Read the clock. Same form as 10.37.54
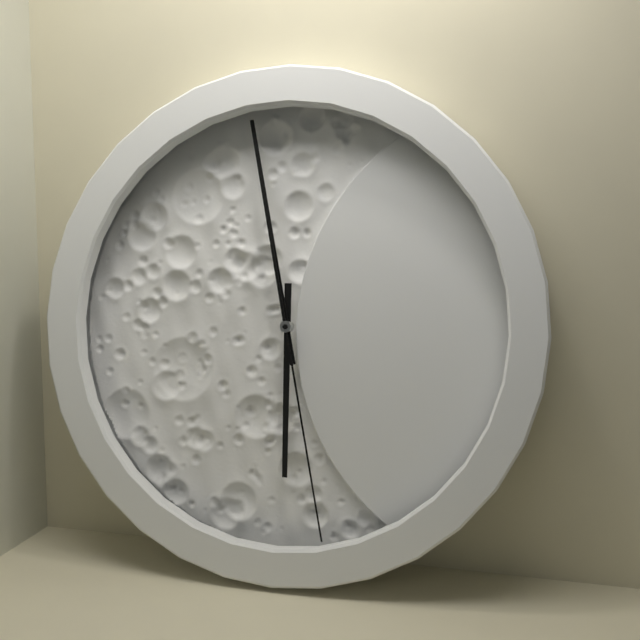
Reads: 5.58.28
